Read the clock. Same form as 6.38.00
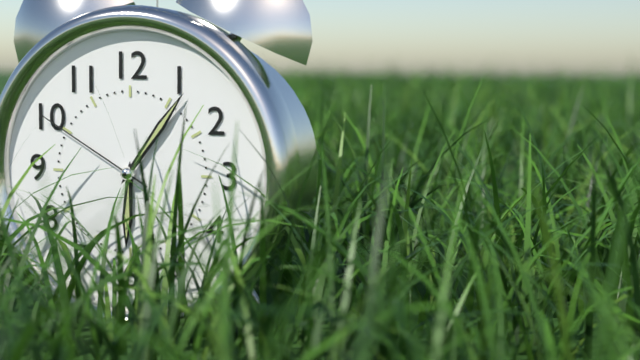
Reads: 6.06.50
